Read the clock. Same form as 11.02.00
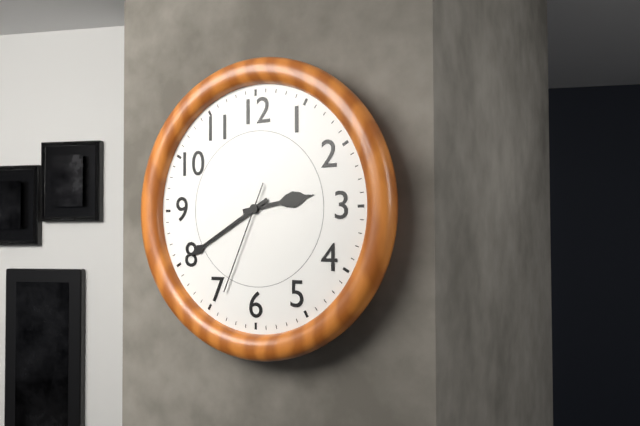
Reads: 2.40.34
